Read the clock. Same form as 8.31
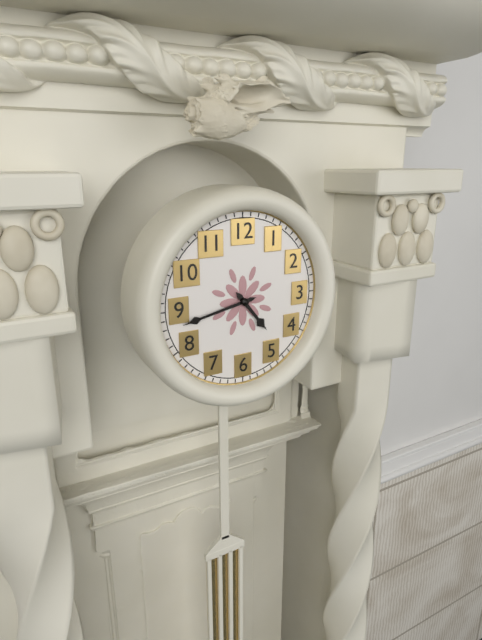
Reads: 4.43
